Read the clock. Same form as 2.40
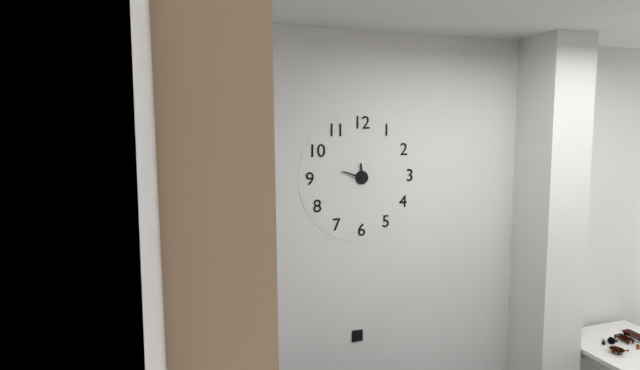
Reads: 11.48
